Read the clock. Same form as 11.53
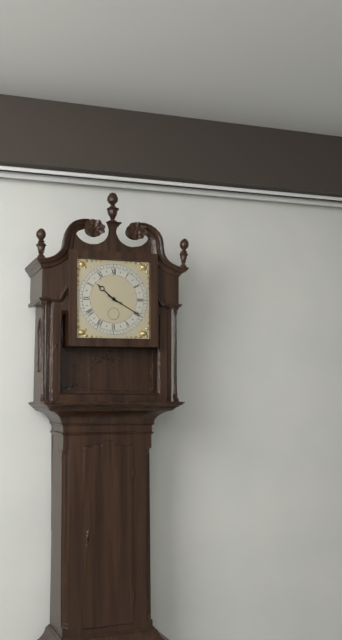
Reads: 10.20
